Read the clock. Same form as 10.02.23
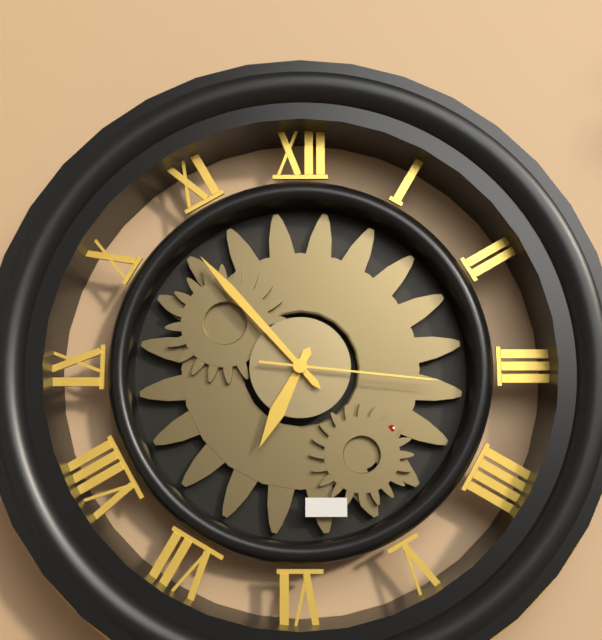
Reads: 6.53.16
